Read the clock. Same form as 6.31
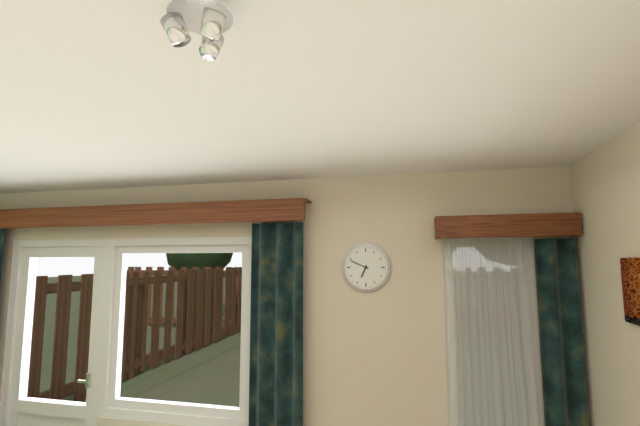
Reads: 6.49
